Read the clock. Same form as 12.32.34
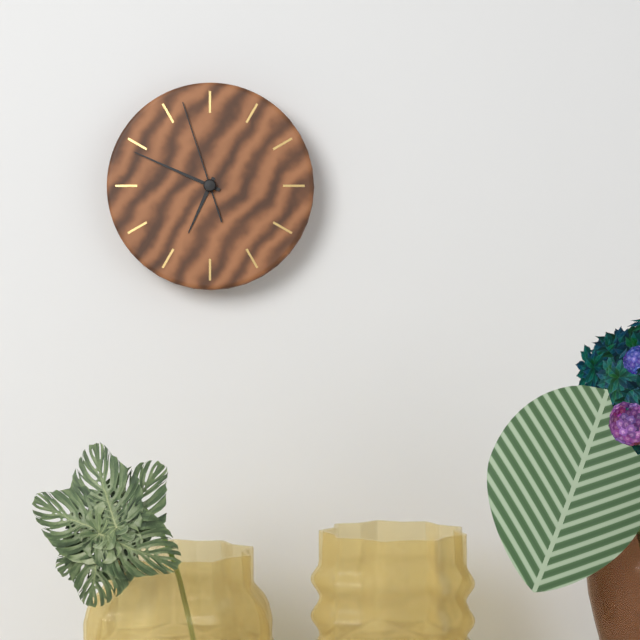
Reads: 6.49.57
